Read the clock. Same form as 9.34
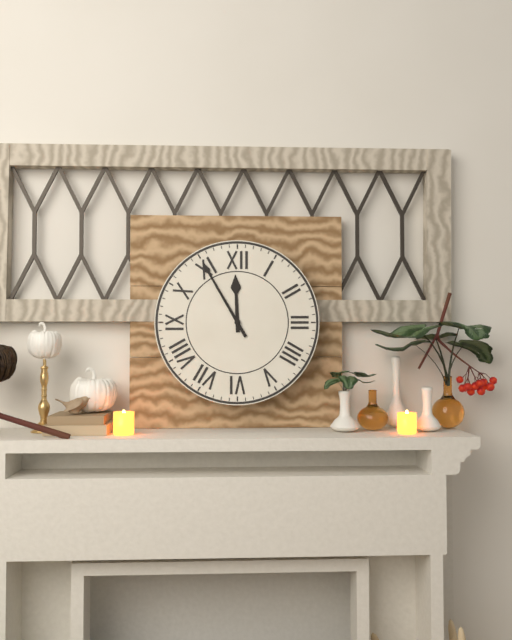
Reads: 11.55
